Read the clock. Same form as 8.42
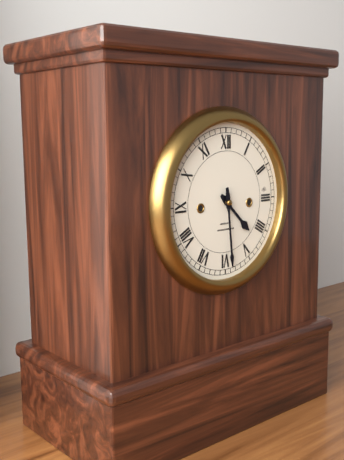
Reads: 4.29
